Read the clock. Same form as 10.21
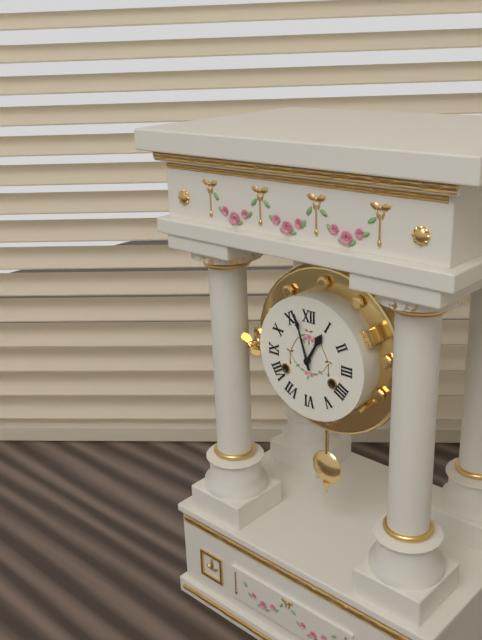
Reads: 12.57
